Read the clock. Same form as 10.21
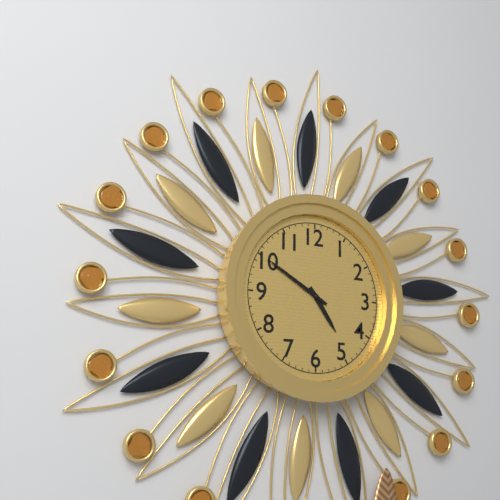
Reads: 4.50
